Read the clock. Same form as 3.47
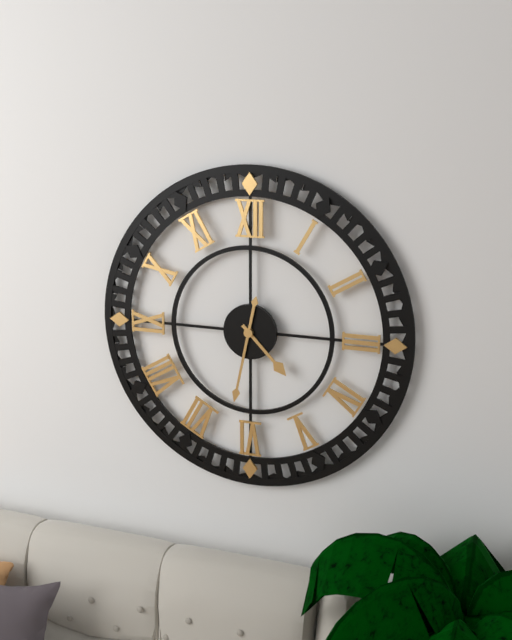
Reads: 4.32
